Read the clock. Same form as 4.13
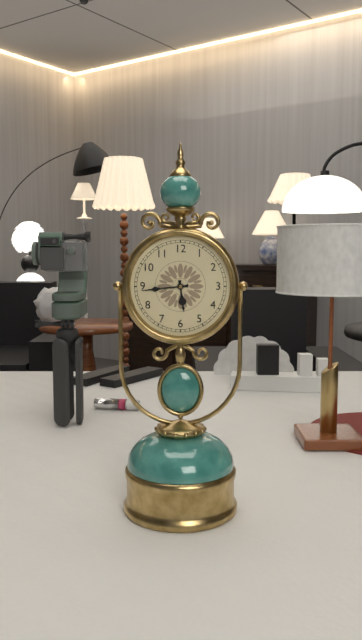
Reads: 5.44
